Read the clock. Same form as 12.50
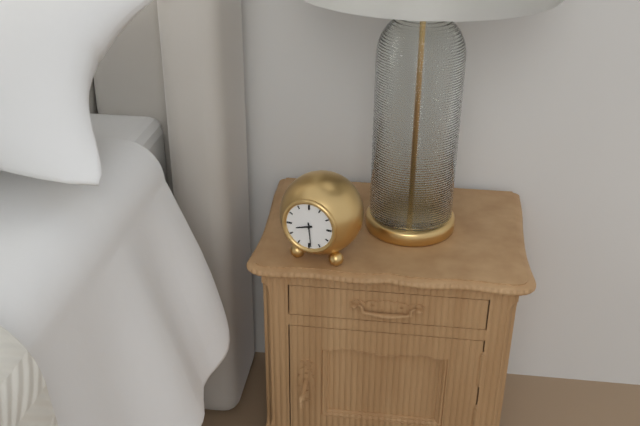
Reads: 8.29
